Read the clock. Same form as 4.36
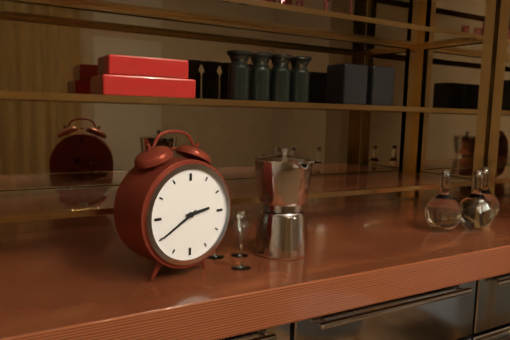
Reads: 2.40
